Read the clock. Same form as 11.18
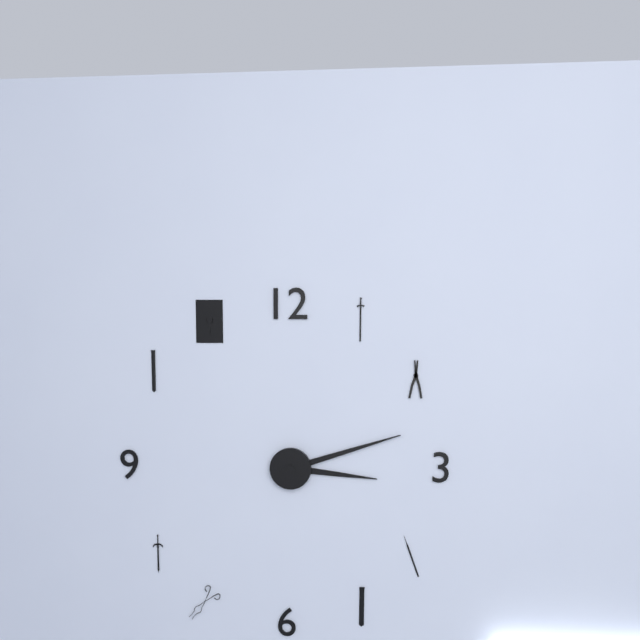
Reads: 3.12
